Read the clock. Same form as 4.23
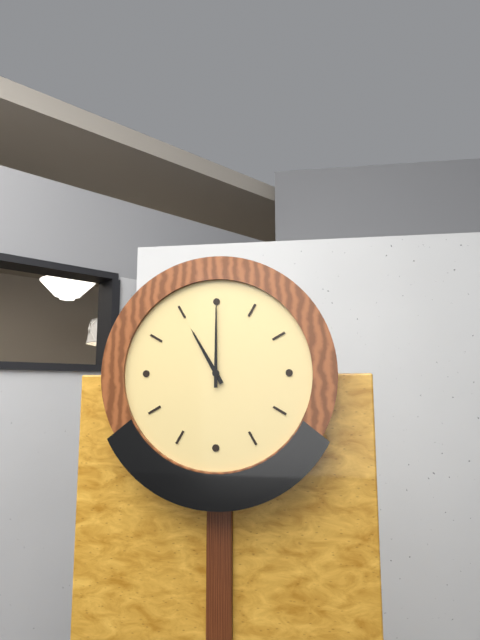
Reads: 11.00
